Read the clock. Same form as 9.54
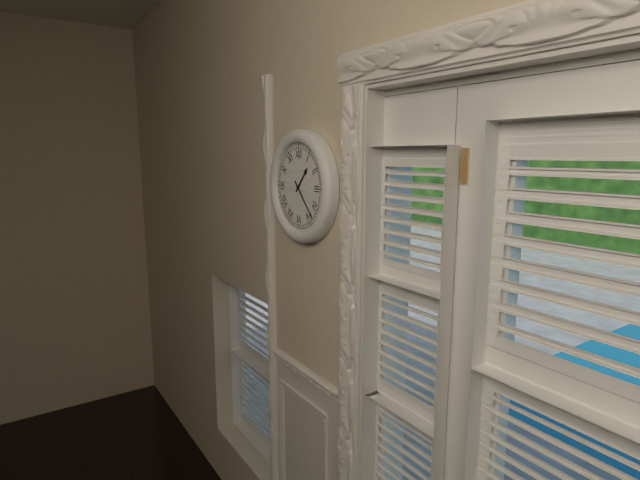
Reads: 1.23
